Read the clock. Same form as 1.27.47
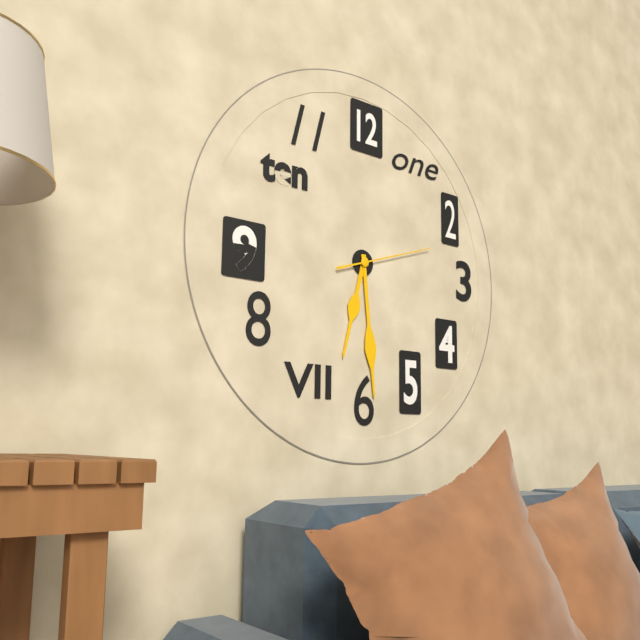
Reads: 6.29.12
